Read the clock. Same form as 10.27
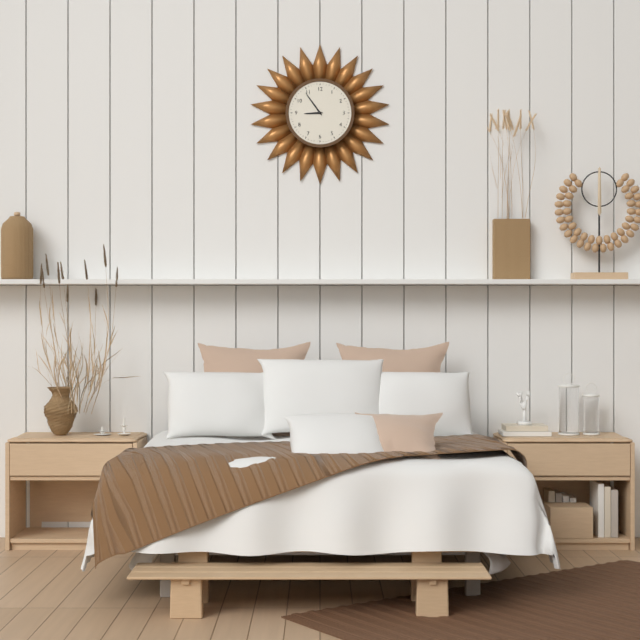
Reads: 8.54
